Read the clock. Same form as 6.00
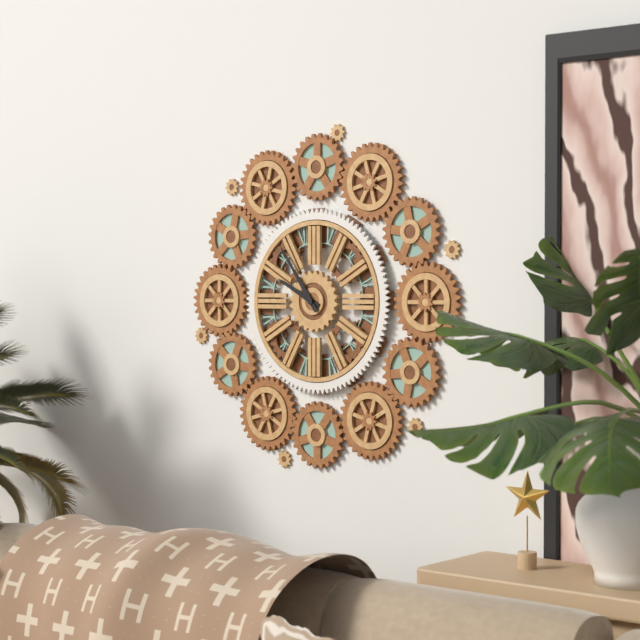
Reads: 9.54
